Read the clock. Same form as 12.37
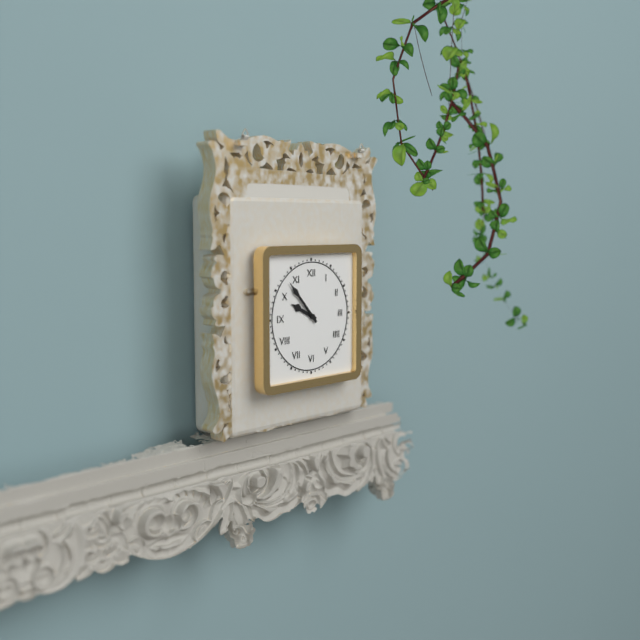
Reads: 9.53
